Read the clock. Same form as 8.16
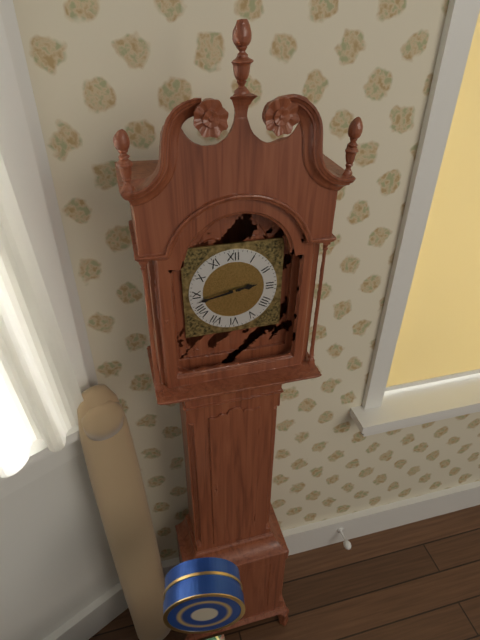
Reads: 2.43
